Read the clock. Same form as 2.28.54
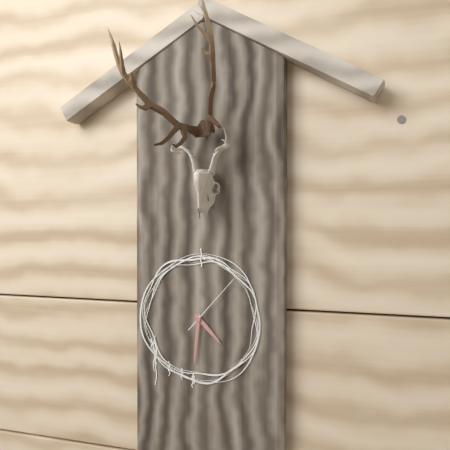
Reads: 4.31.07
